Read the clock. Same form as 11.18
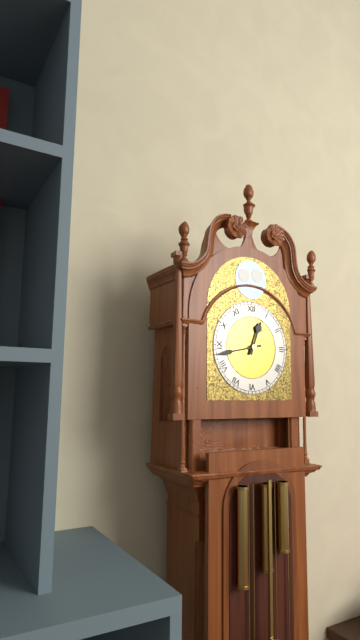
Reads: 12.43
